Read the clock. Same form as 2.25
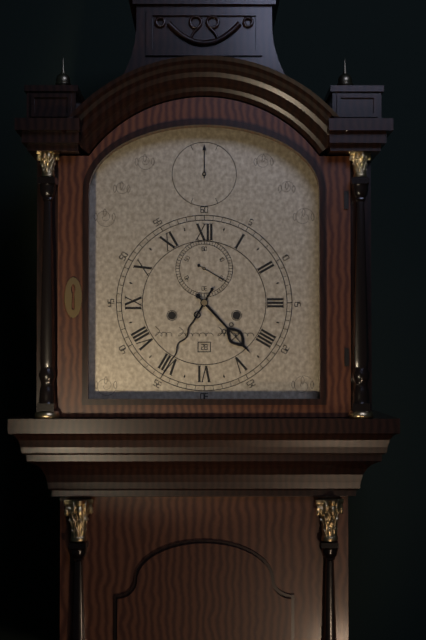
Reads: 4.35
